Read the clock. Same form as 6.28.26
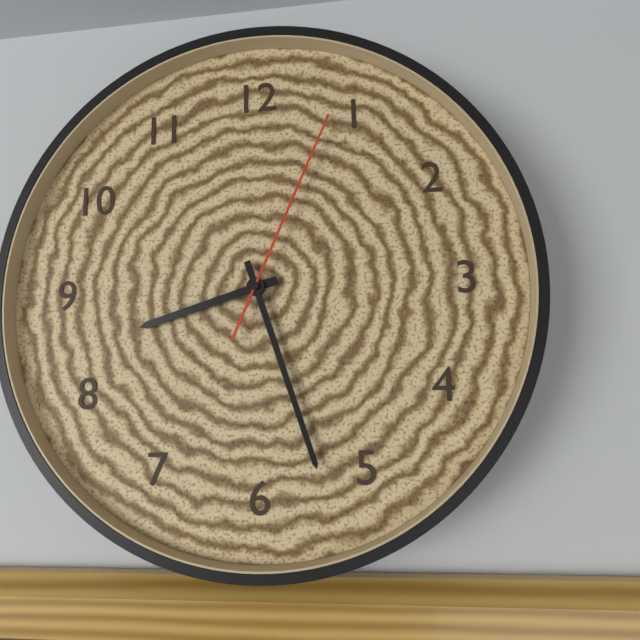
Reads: 8.27.04
